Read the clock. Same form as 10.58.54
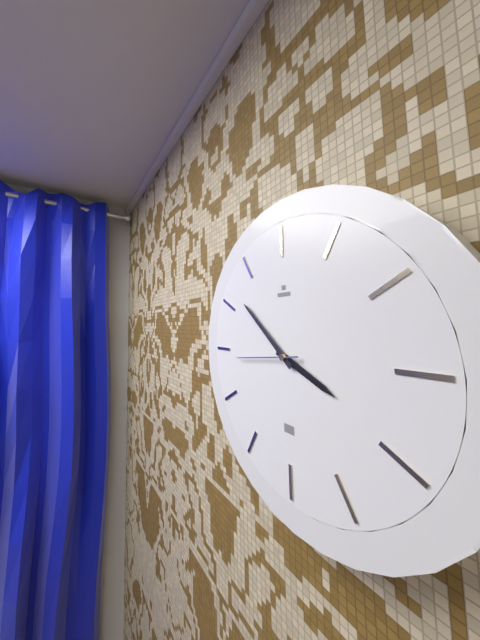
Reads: 3.52.44
